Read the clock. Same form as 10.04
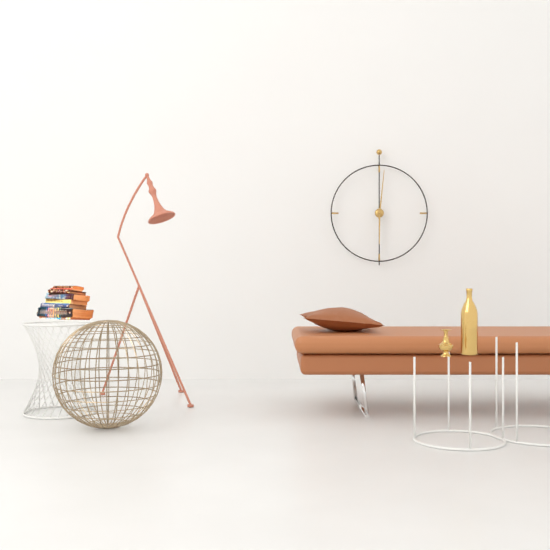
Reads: 6.01
